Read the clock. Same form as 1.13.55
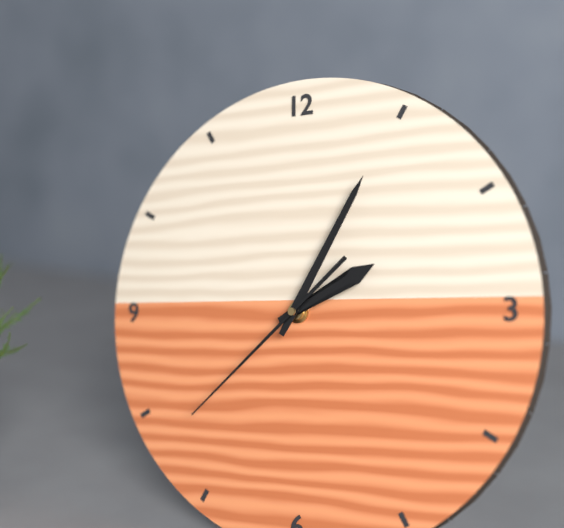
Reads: 2.05.38
